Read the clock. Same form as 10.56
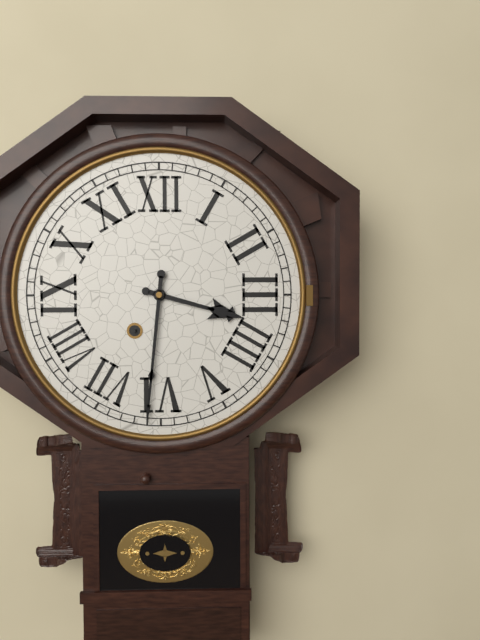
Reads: 3.31
